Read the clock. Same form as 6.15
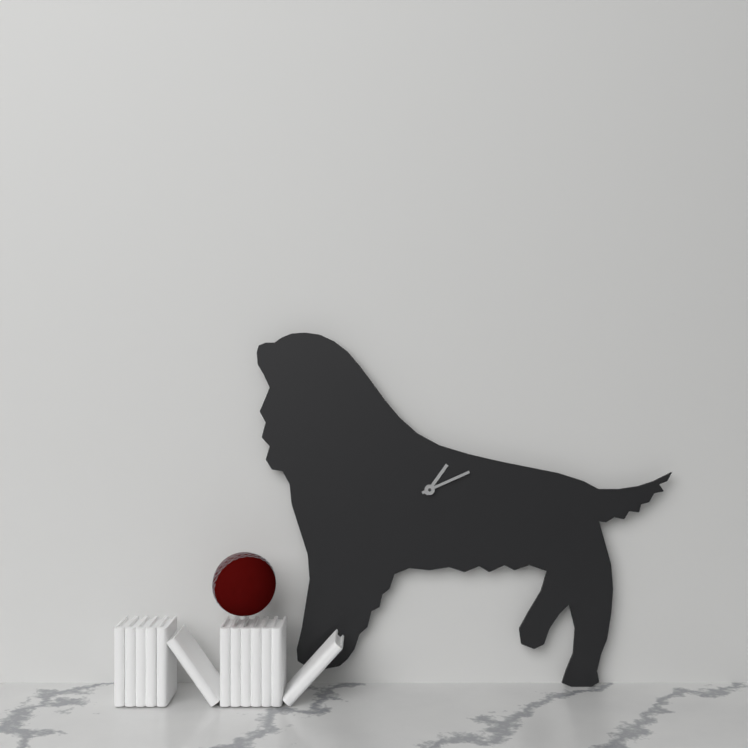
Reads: 1.11
